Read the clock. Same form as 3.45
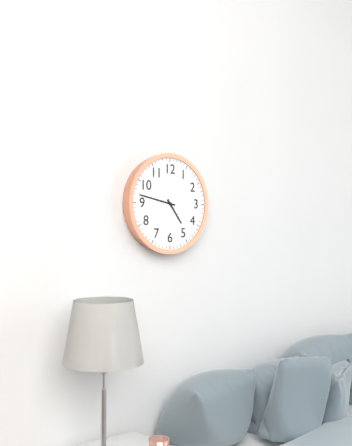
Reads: 4.47
